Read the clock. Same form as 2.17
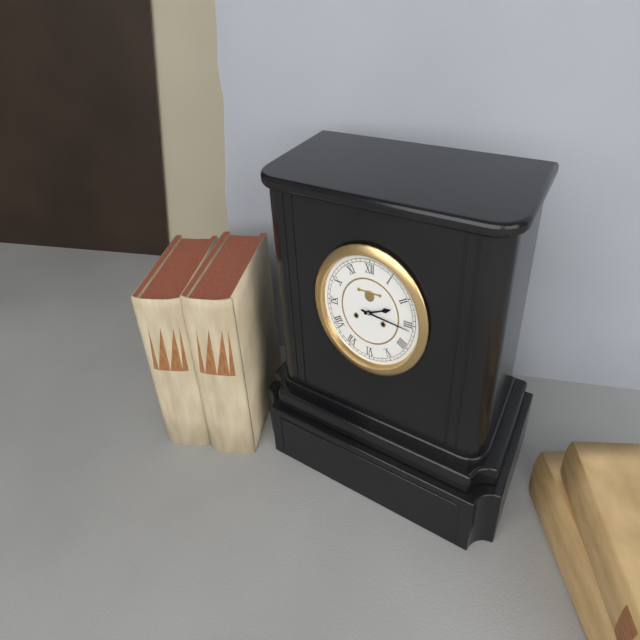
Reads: 2.16
